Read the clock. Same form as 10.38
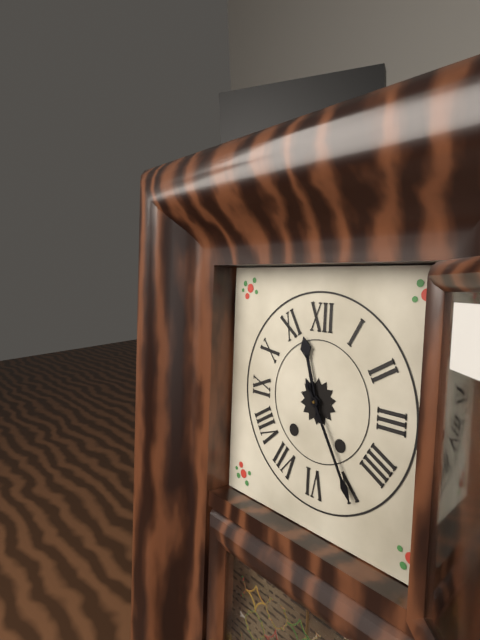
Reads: 11.25
